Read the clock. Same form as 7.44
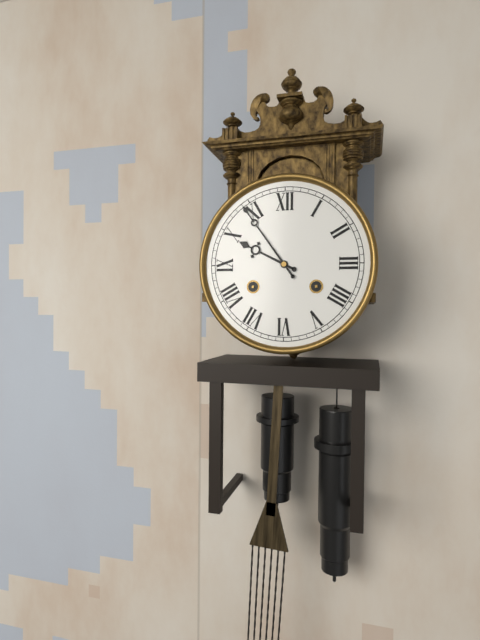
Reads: 9.54
